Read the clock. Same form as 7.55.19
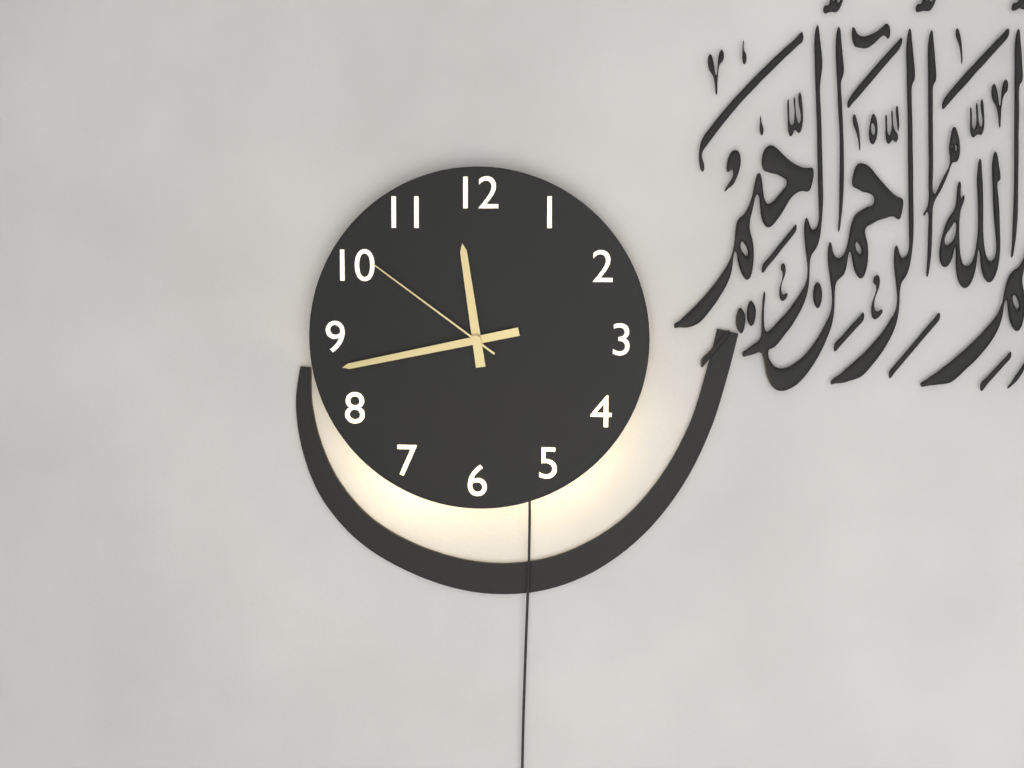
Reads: 11.43.51
